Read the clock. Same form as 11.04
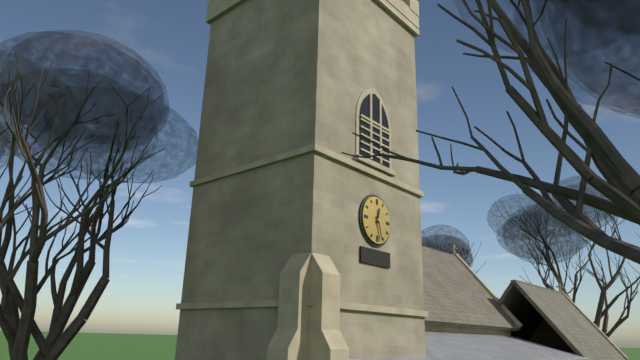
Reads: 12.27
